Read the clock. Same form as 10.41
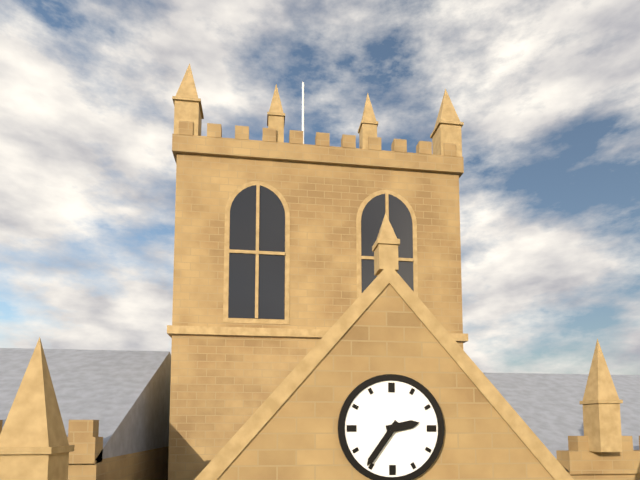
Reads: 2.36
